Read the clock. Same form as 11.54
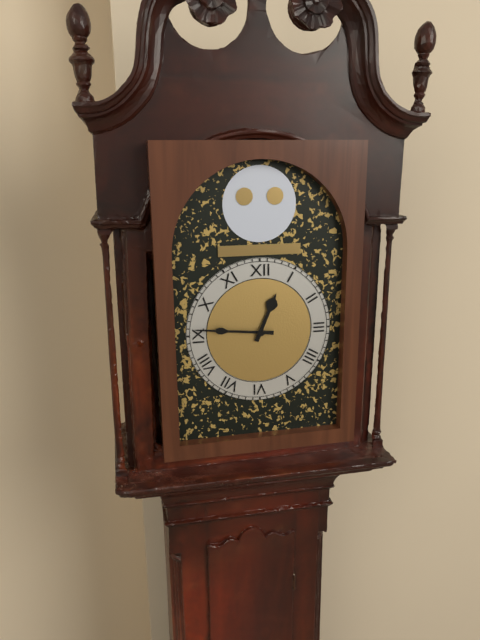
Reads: 12.46
